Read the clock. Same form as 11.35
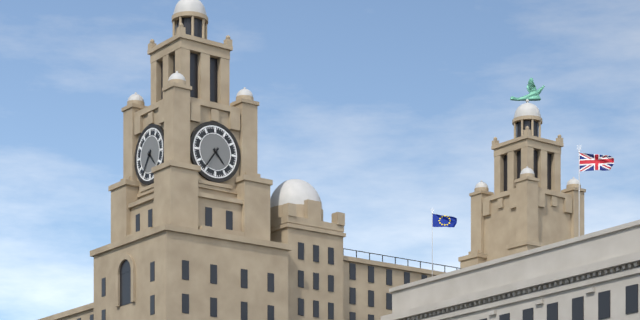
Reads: 4.36
